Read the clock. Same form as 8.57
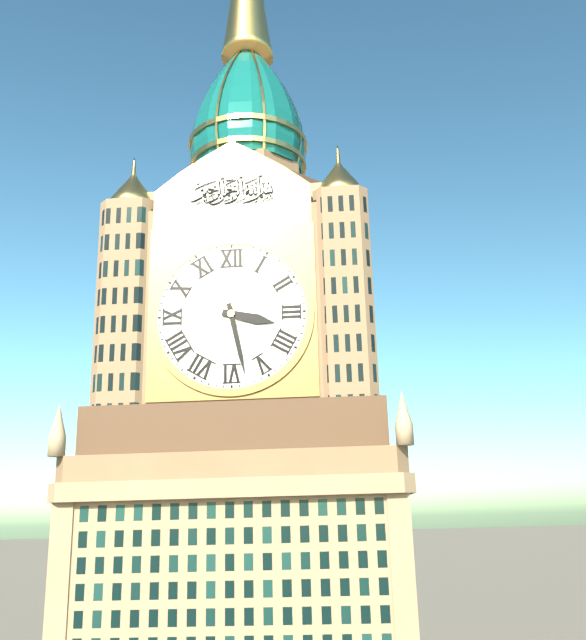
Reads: 3.28
